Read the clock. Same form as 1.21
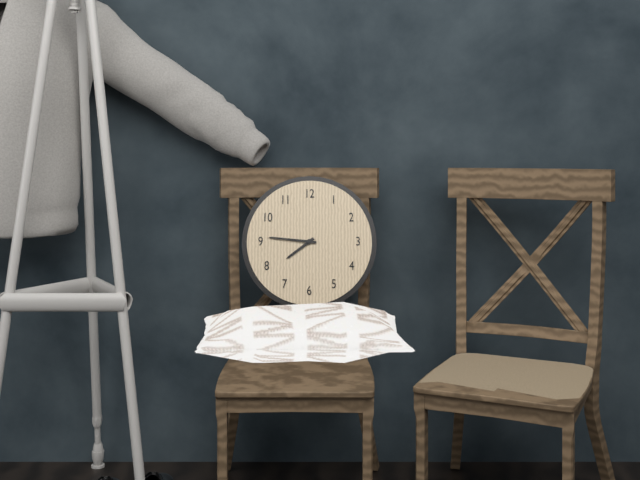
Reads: 7.46
